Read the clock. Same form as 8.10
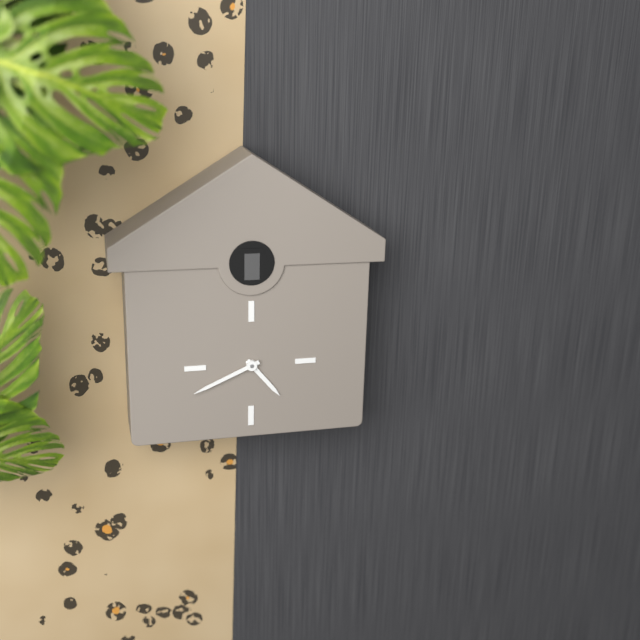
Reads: 4.41
